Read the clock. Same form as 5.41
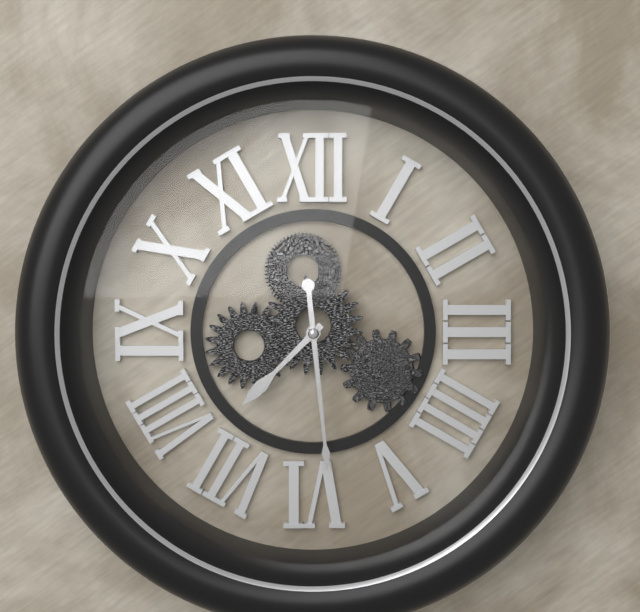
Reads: 7.29
